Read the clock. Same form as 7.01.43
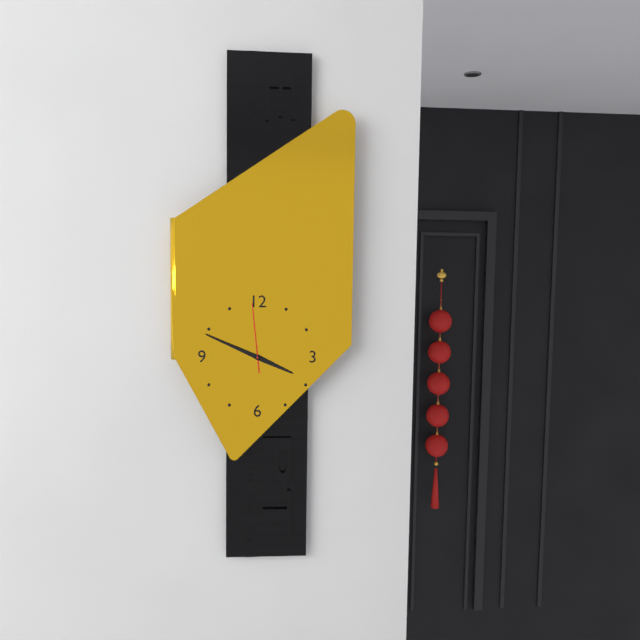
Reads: 3.49.59
